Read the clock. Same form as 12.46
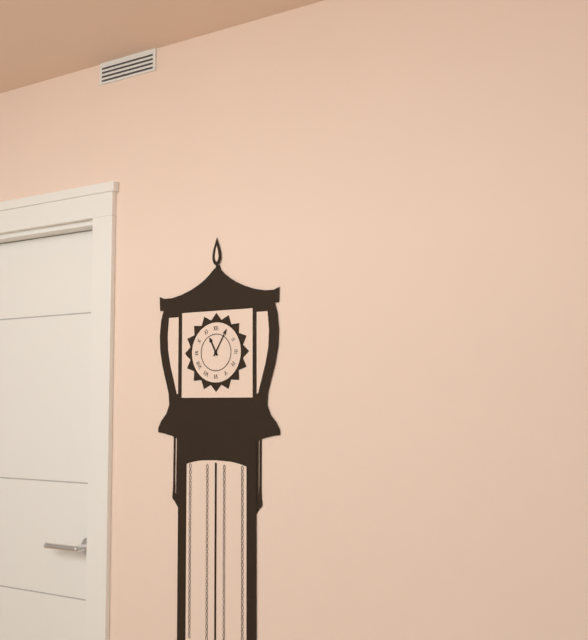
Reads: 11.05
